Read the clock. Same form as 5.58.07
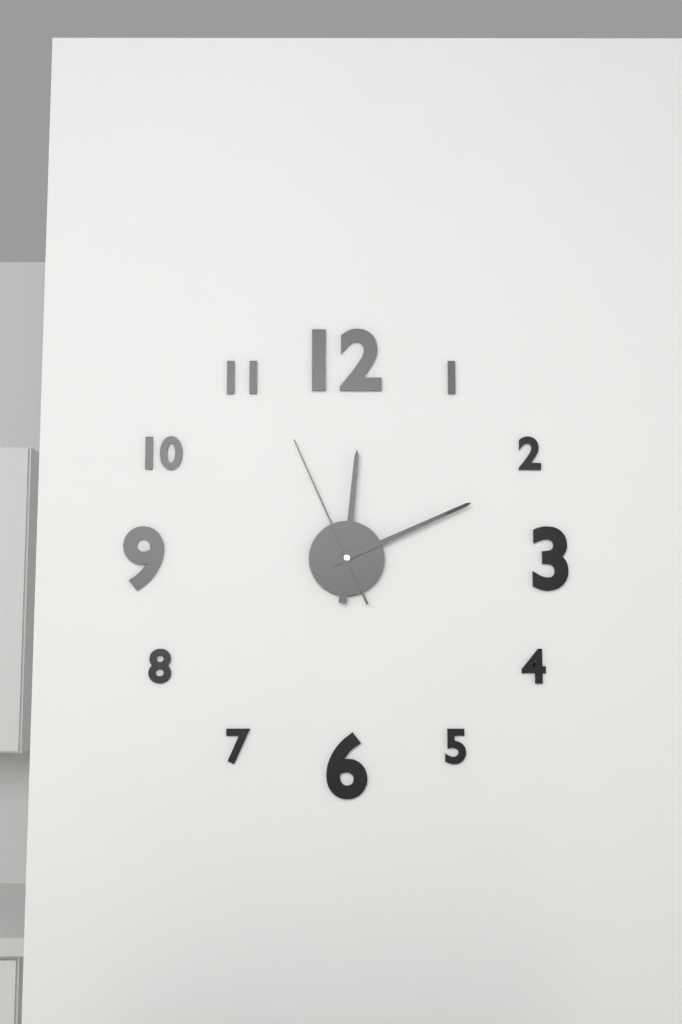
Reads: 12.11.56
